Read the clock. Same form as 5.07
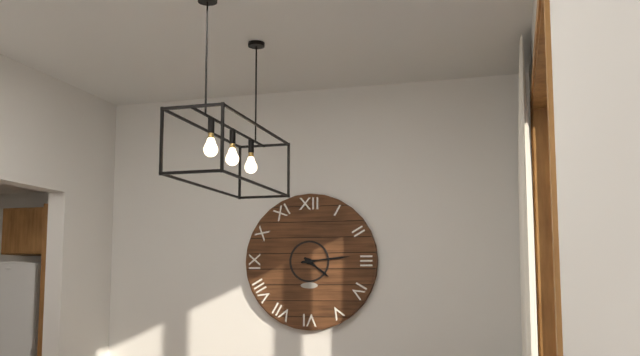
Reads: 4.14
